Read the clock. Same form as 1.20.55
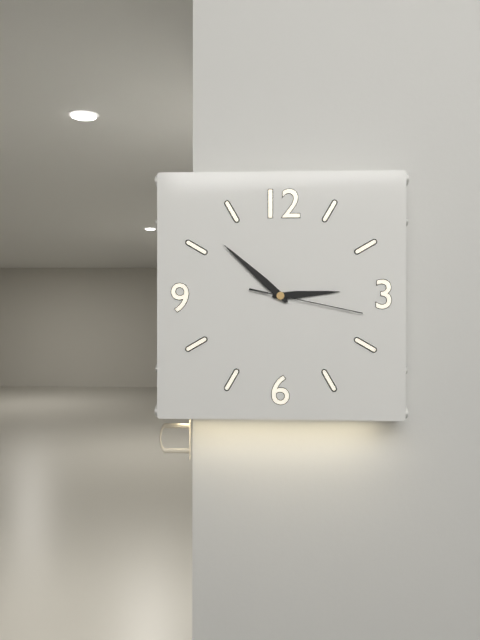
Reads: 2.52.17
